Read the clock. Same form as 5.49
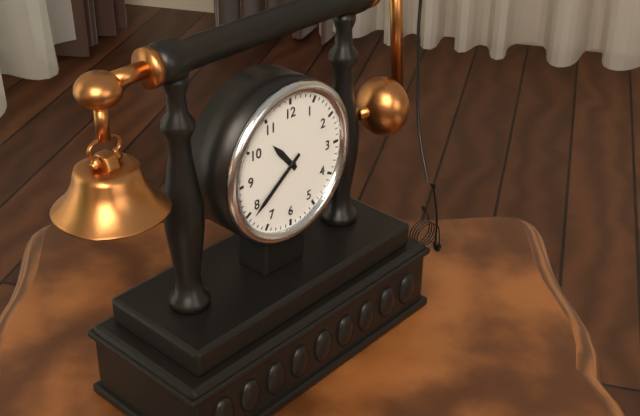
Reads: 10.39
